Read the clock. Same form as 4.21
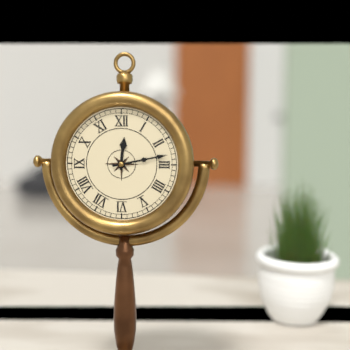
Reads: 12.13
